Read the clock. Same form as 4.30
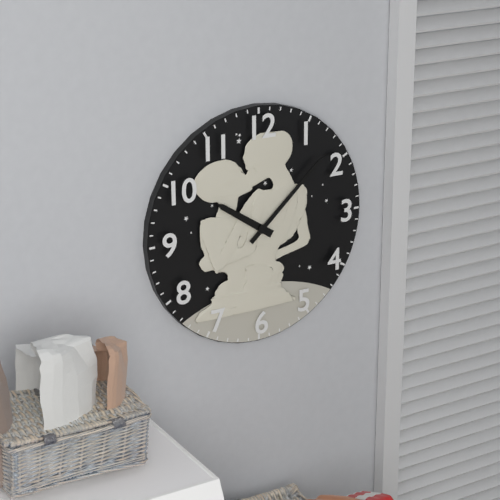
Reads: 10.08
